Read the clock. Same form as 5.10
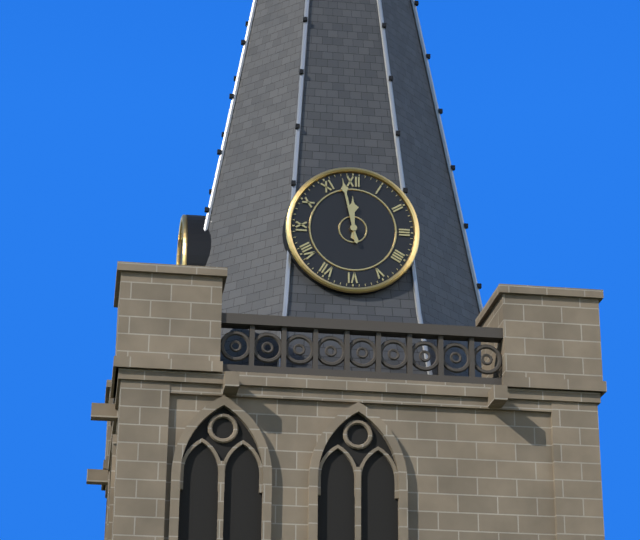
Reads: 11.58
